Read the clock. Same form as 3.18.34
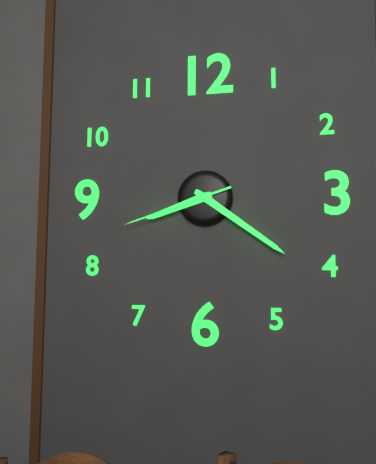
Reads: 8.21.42
